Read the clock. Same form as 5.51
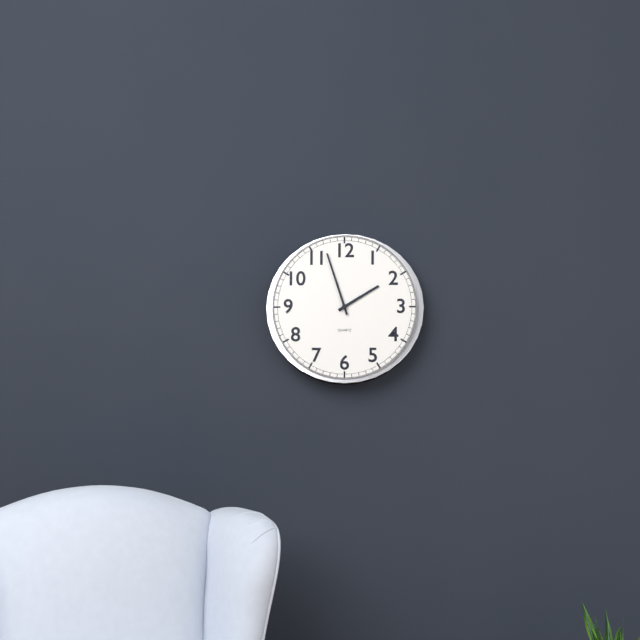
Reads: 1.57
